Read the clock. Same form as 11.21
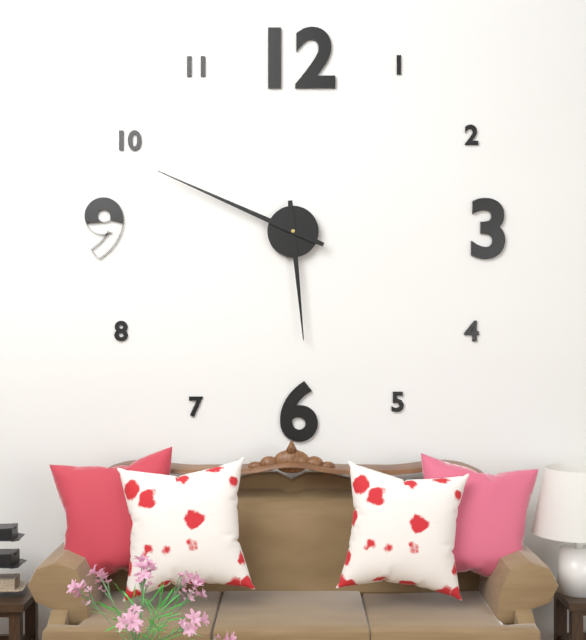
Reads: 5.49
